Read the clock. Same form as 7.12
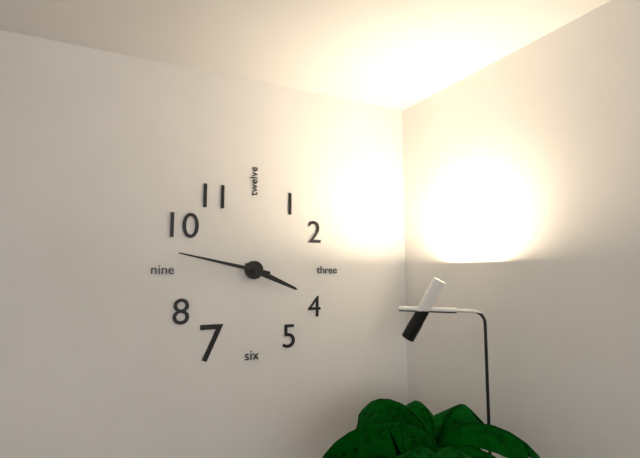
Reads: 3.47
